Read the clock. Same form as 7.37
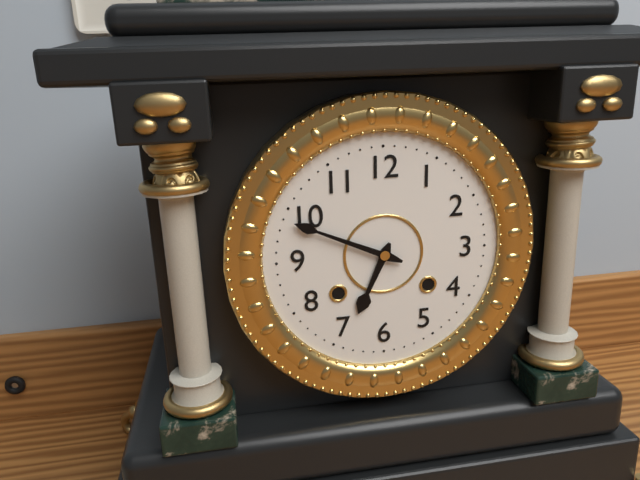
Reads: 6.49
